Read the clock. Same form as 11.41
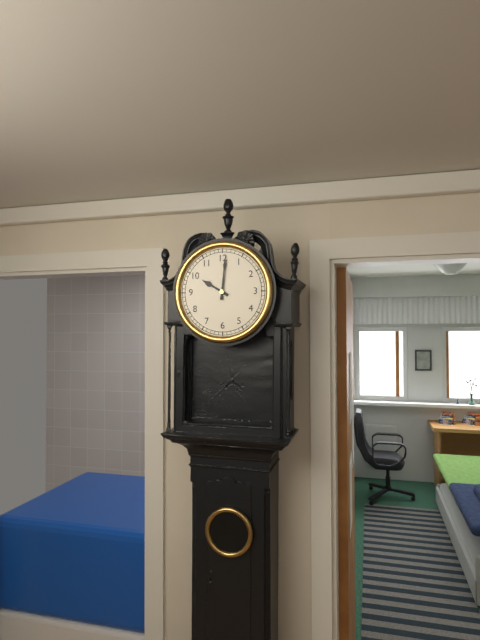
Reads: 10.01
